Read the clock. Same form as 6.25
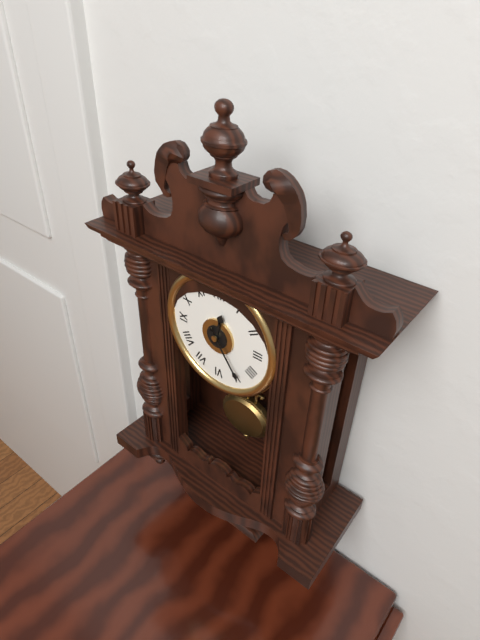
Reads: 12.24
